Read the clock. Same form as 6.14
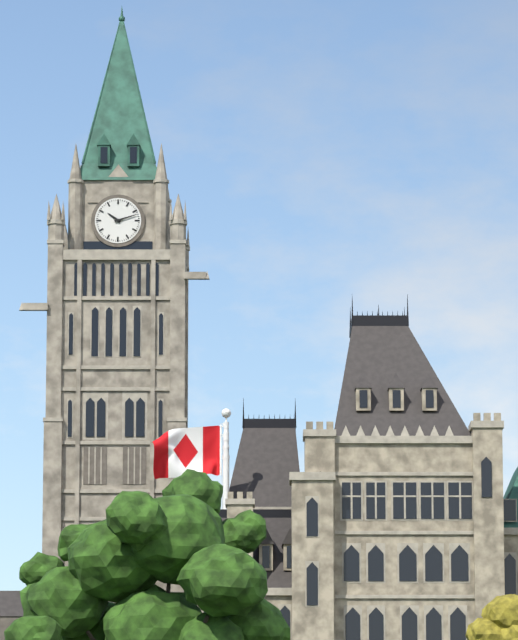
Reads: 10.12
